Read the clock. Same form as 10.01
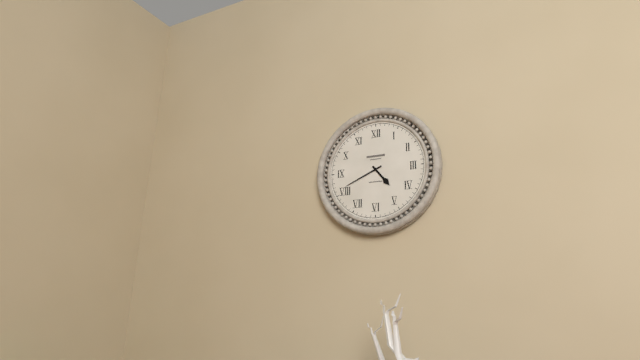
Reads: 4.41
